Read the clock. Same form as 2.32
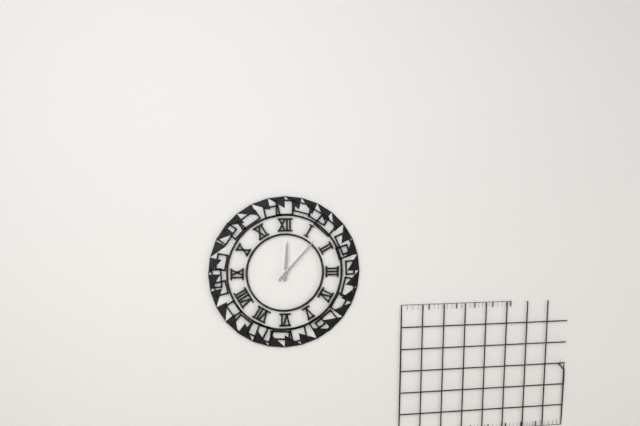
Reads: 12.07
